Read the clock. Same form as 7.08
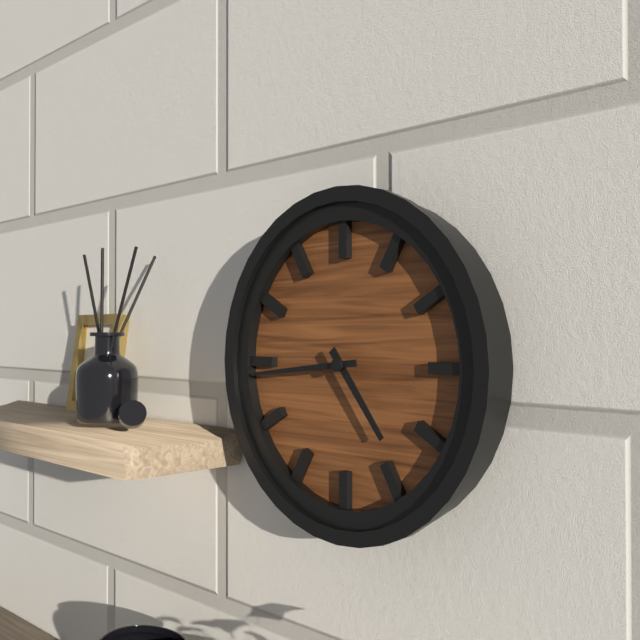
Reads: 4.44
